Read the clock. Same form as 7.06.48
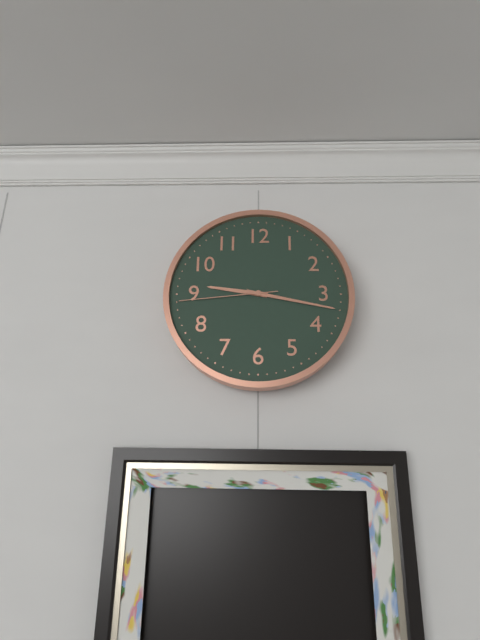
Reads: 9.17.44
